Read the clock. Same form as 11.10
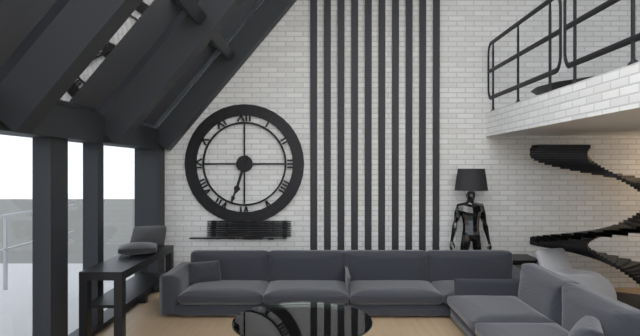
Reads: 6.33
